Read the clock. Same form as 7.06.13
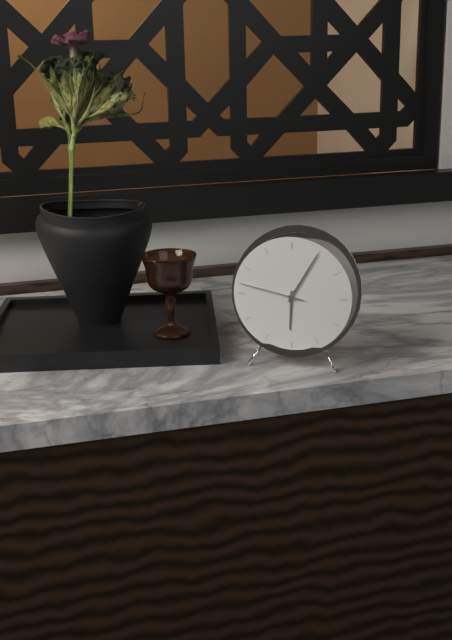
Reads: 6.05.47
